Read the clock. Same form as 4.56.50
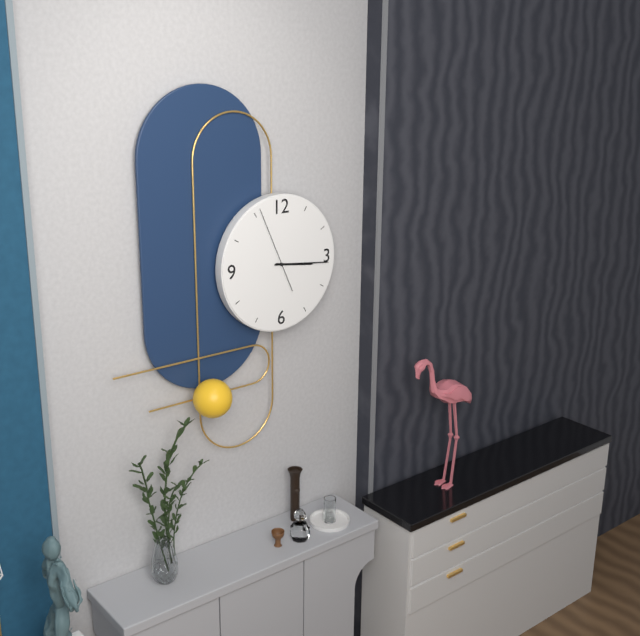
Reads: 3.16.56
